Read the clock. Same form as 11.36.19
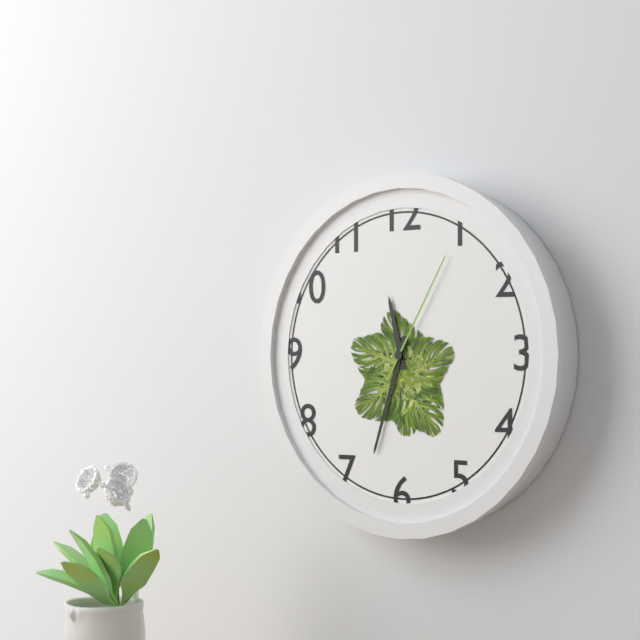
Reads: 11.33.05
